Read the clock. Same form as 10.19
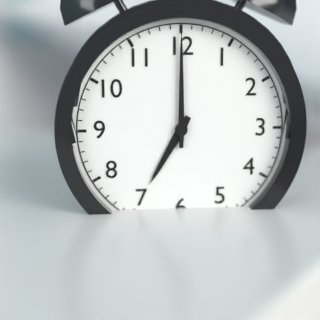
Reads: 7.00
